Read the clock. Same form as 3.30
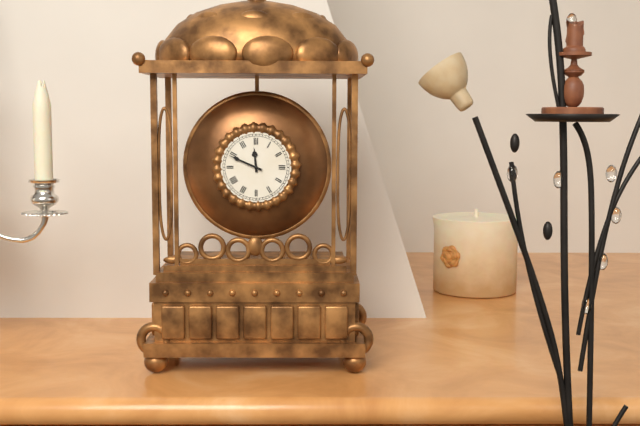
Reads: 11.49
